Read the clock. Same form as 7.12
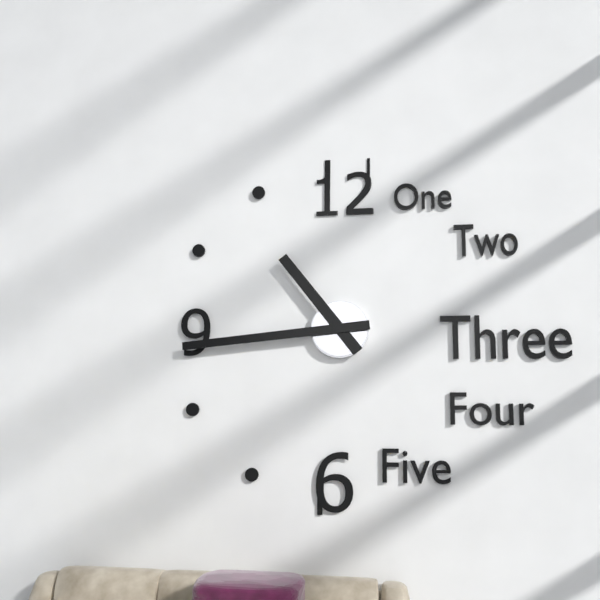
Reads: 10.44
